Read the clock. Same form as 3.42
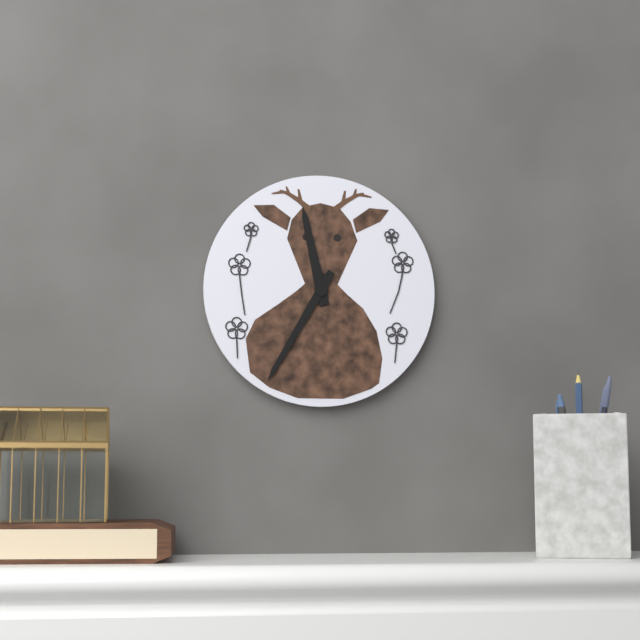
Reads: 11.35
